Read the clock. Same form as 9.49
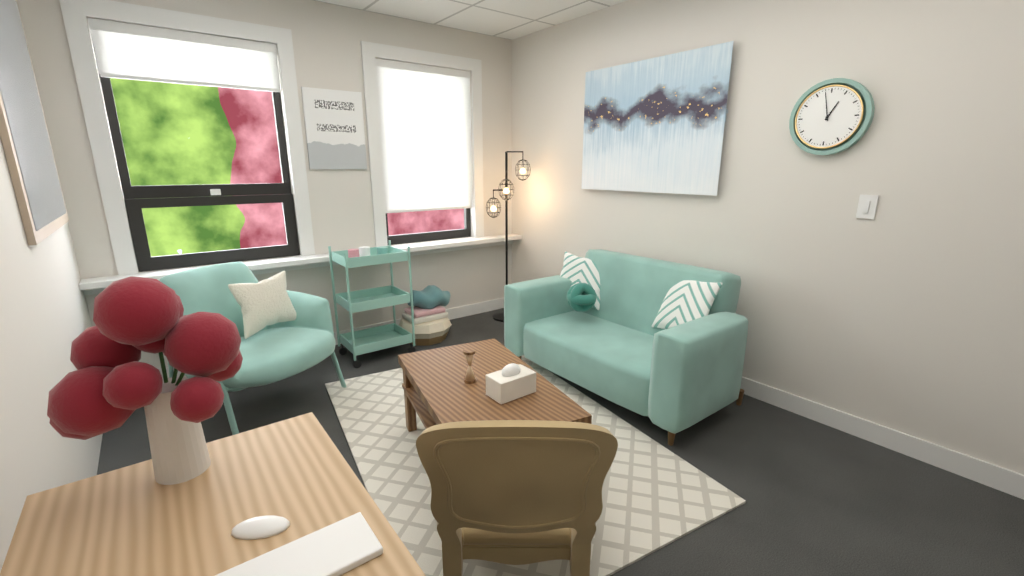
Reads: 12.58
